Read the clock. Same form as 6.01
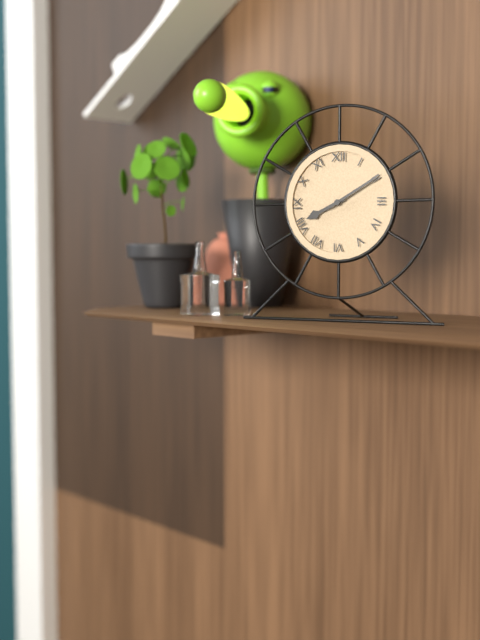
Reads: 8.10
